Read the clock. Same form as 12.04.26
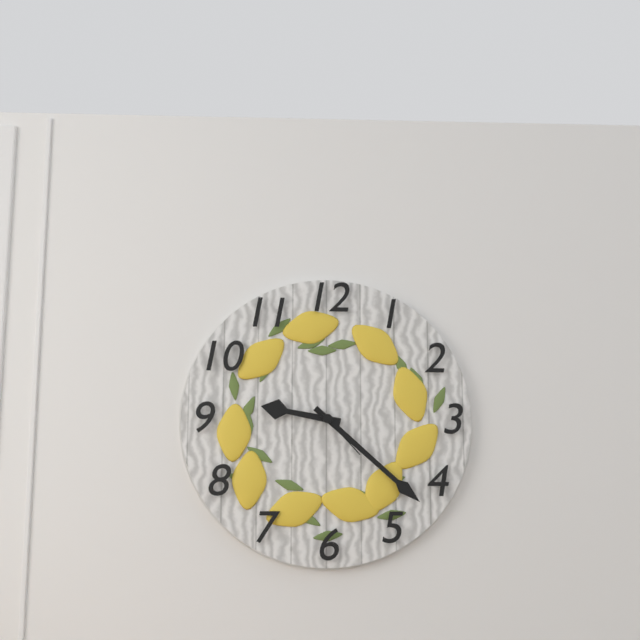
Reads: 9.22.23
